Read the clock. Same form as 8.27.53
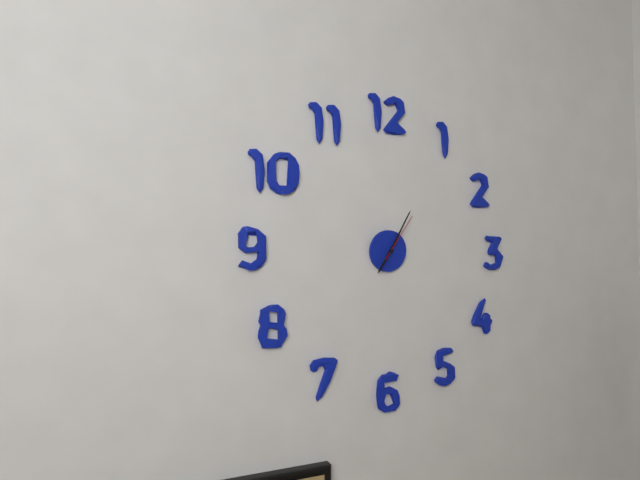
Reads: 7.05.06
